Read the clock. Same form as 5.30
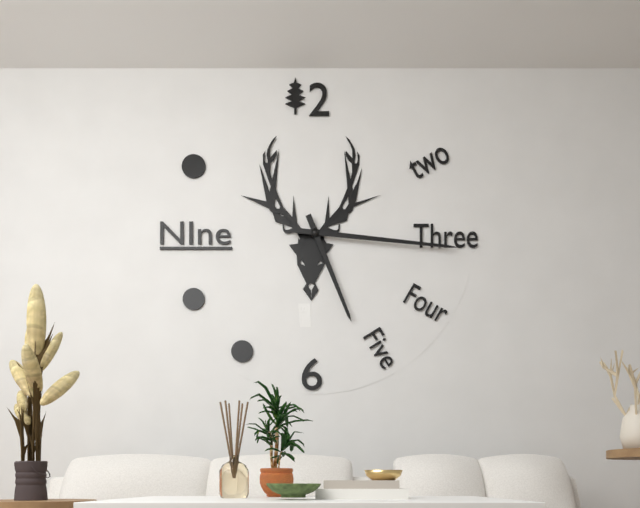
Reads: 5.16
